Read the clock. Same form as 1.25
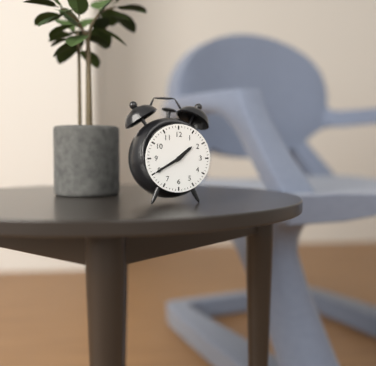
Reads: 1.40
